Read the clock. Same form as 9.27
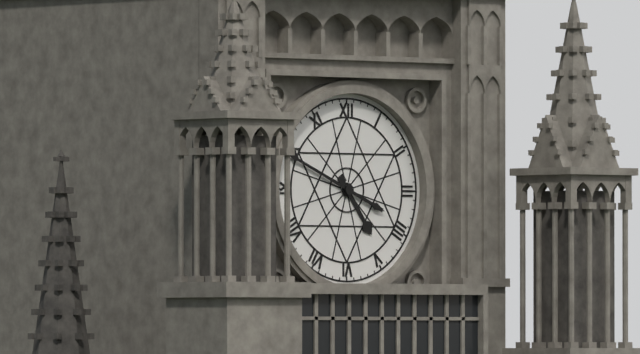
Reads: 4.49
